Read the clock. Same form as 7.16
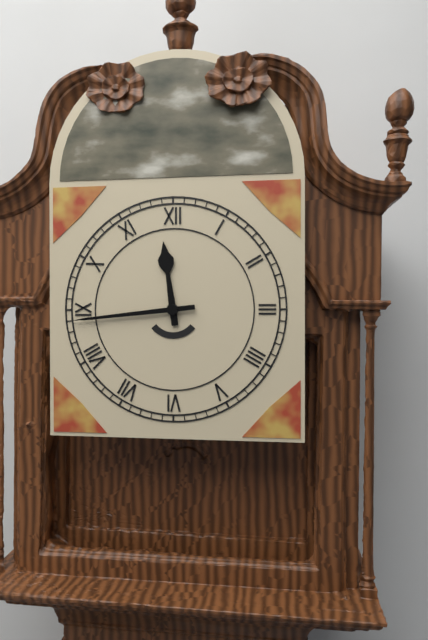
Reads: 11.44
